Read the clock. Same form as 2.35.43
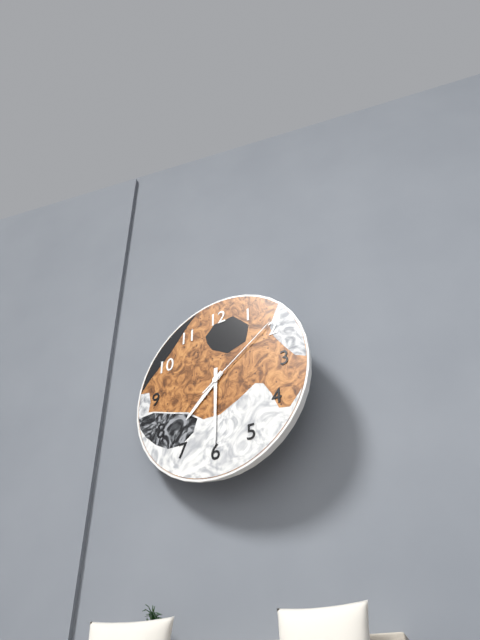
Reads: 7.30.09
